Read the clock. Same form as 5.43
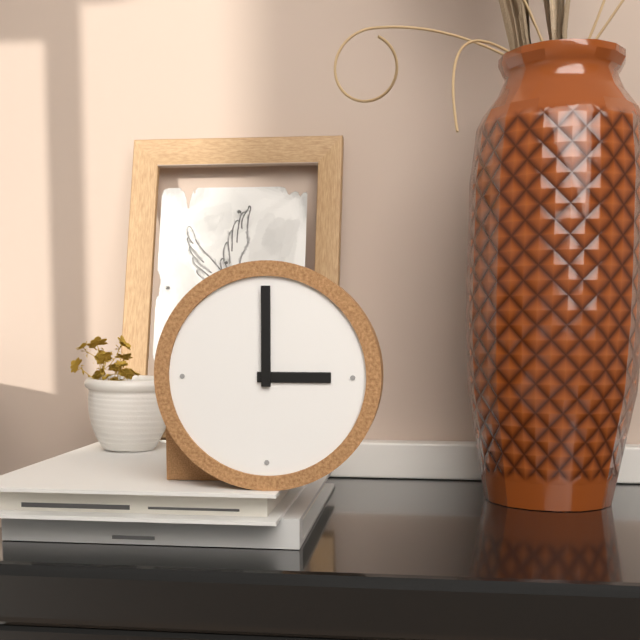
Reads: 3.00
